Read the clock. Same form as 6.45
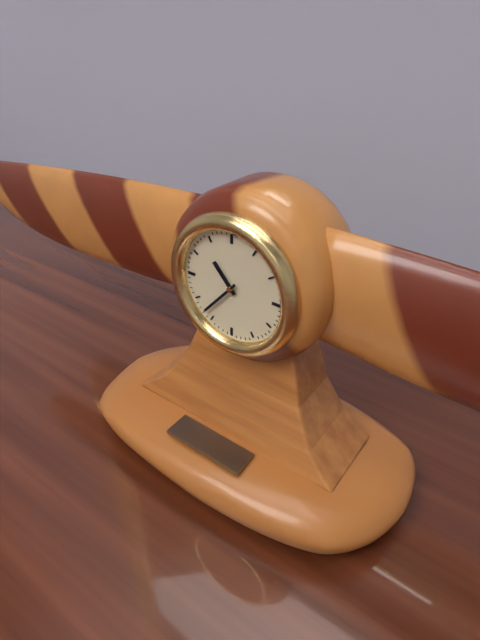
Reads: 10.37
